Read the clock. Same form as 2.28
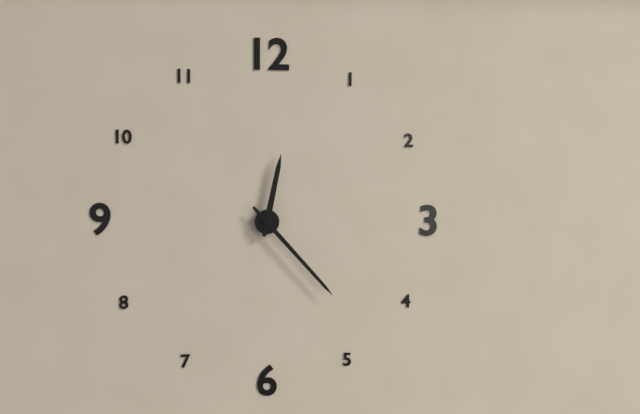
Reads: 12.23
